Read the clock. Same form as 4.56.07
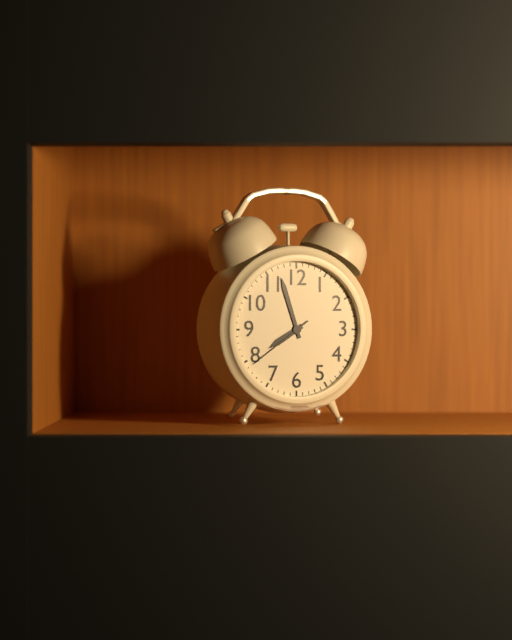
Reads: 7.57.39
